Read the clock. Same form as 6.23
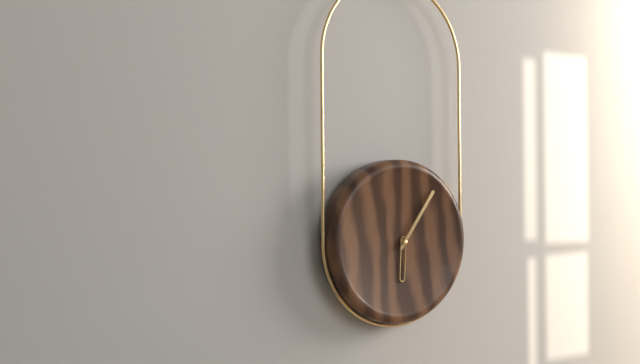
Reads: 6.06
